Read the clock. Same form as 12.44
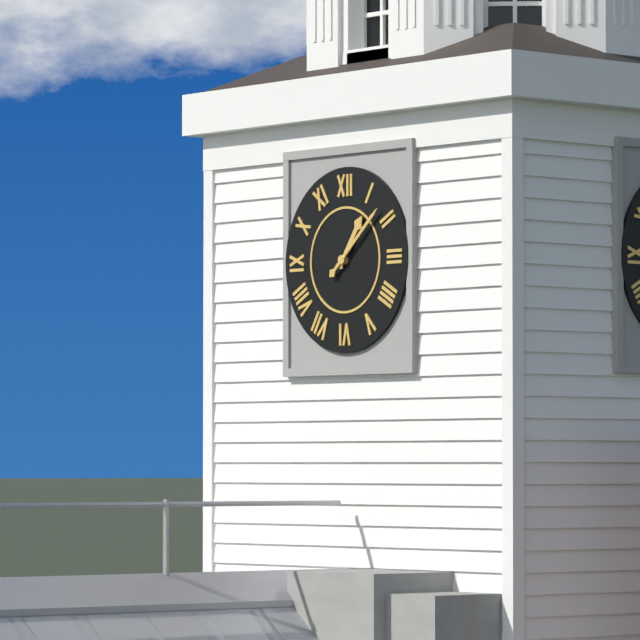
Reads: 1.08
